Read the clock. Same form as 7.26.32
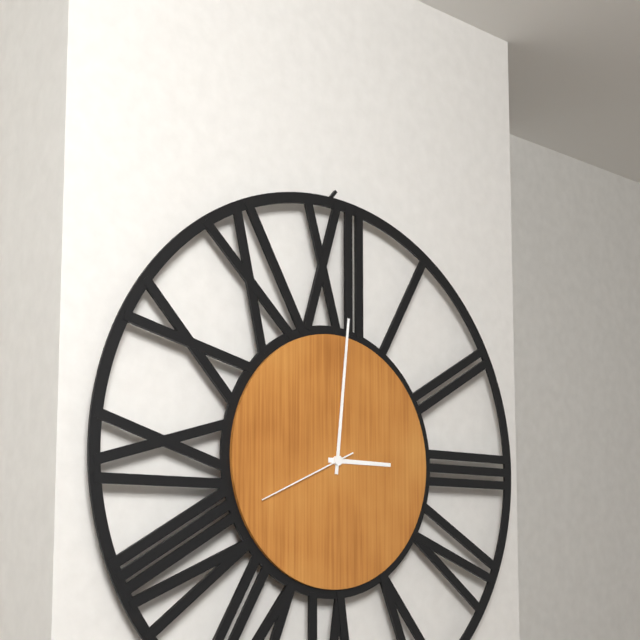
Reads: 3.01.41
